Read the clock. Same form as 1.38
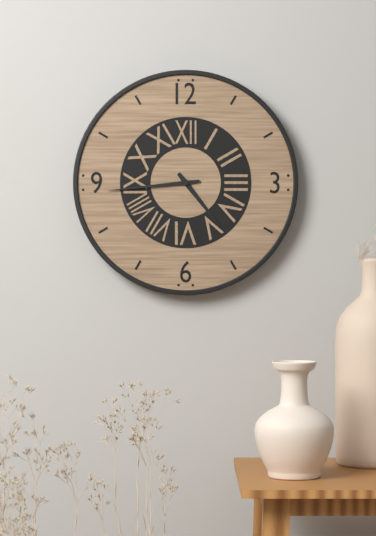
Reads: 4.44
